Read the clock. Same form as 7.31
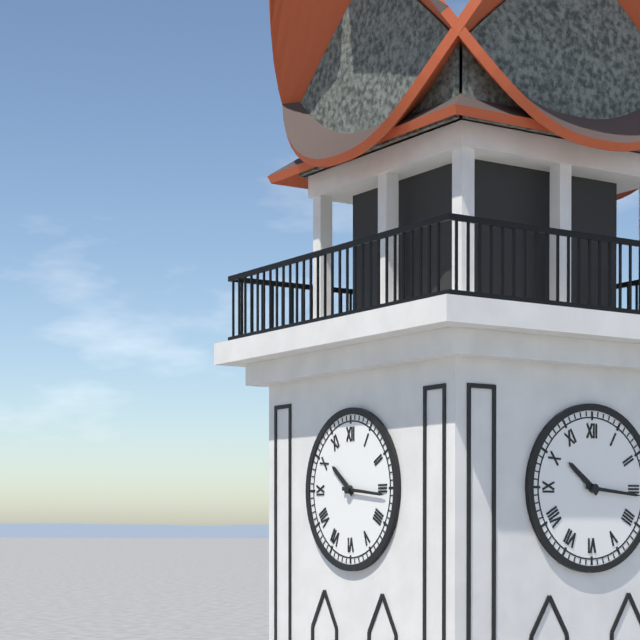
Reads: 10.16
